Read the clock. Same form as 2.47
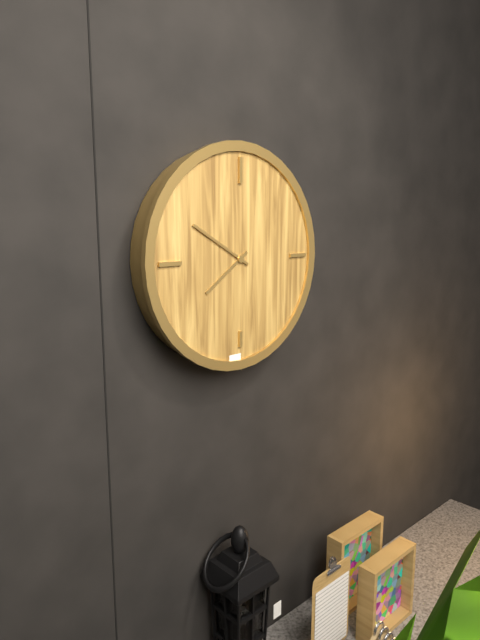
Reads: 7.50
